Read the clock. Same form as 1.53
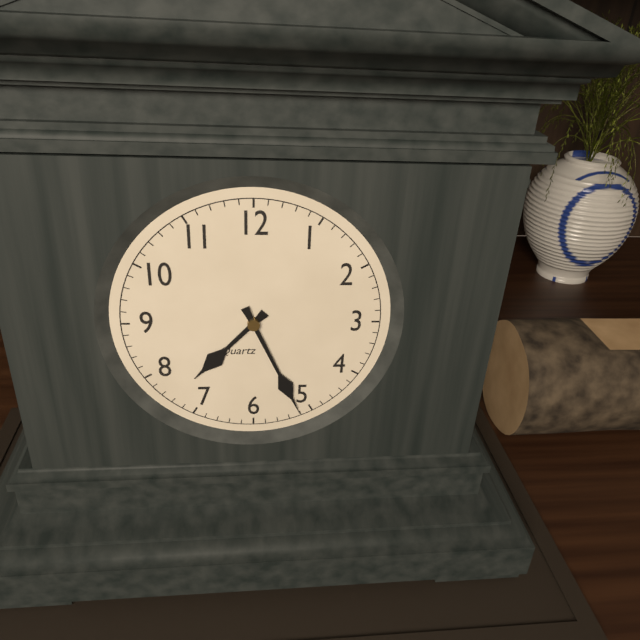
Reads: 7.26
